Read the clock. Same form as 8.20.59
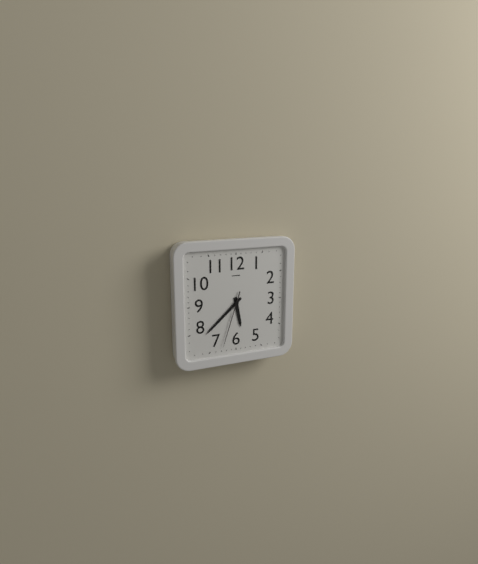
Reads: 5.38.33
